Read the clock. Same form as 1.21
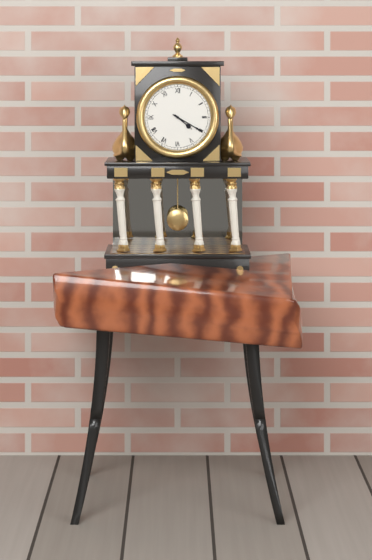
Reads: 4.20
